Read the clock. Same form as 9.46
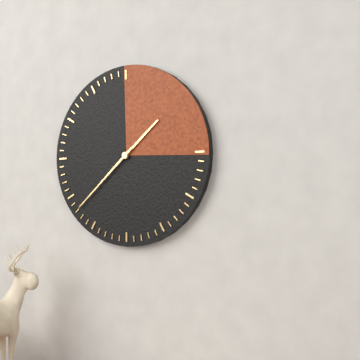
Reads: 1.38
